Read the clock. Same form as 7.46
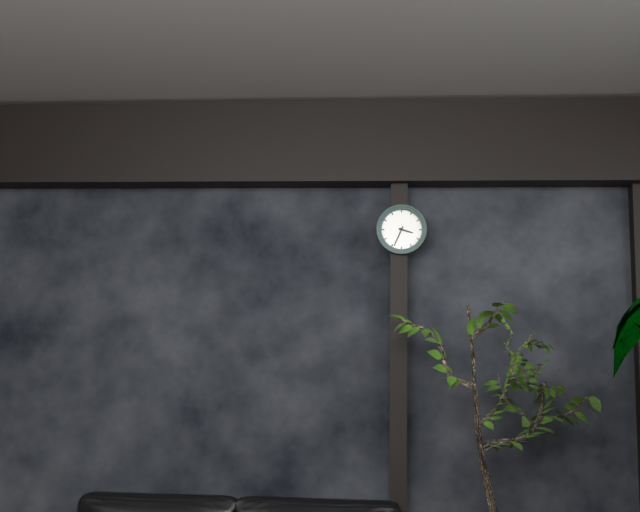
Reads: 3.34
